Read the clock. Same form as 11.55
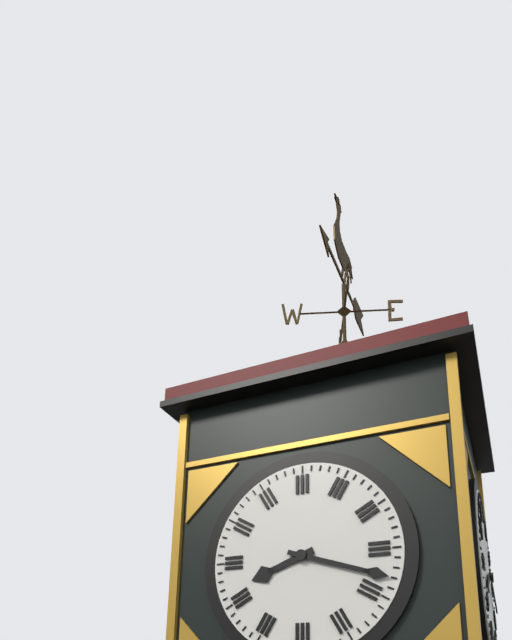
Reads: 8.18
